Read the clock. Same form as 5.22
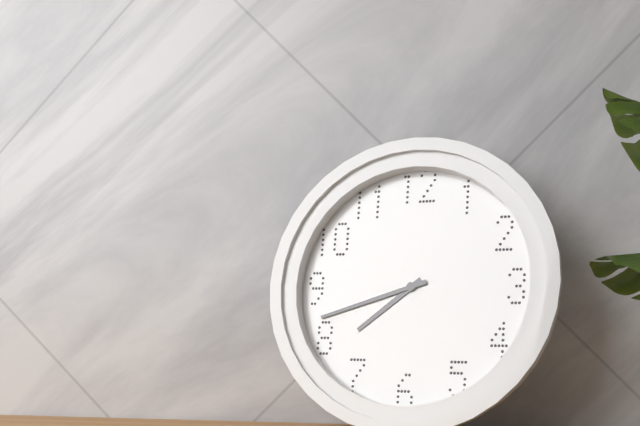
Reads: 7.42
